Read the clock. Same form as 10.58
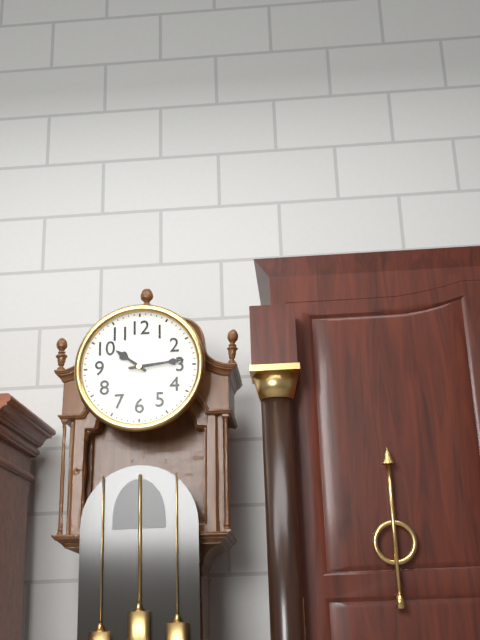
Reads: 10.14
